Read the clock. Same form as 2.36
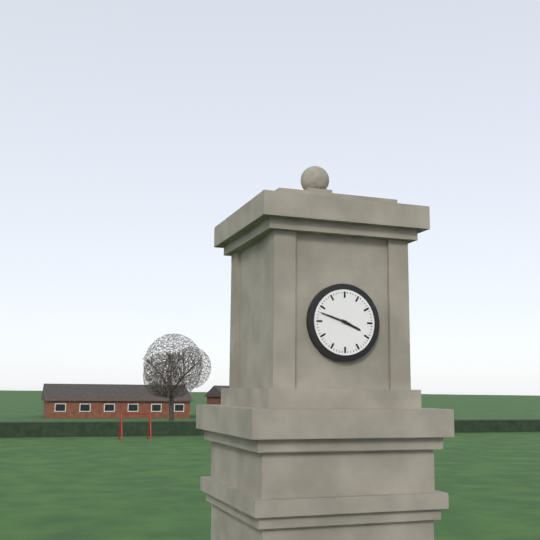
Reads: 3.48
